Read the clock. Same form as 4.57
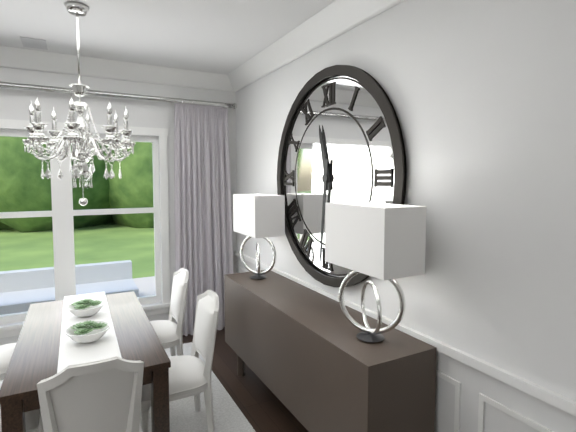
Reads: 11.31
